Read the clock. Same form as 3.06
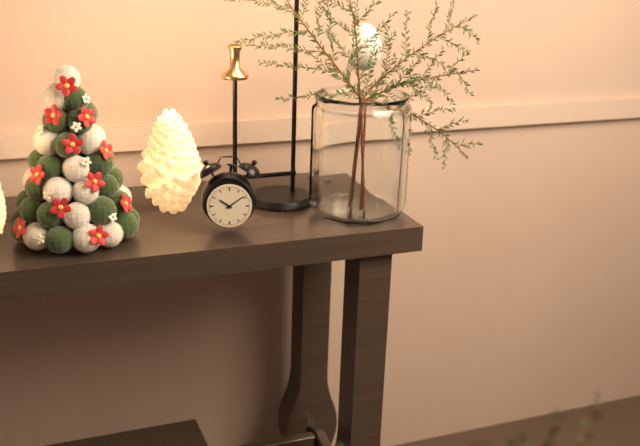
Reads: 10.09
